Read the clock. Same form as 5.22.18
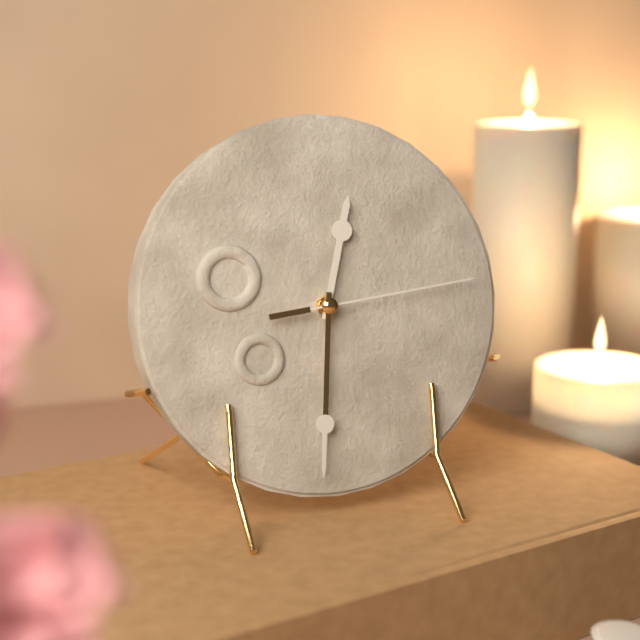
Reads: 12.31.14
